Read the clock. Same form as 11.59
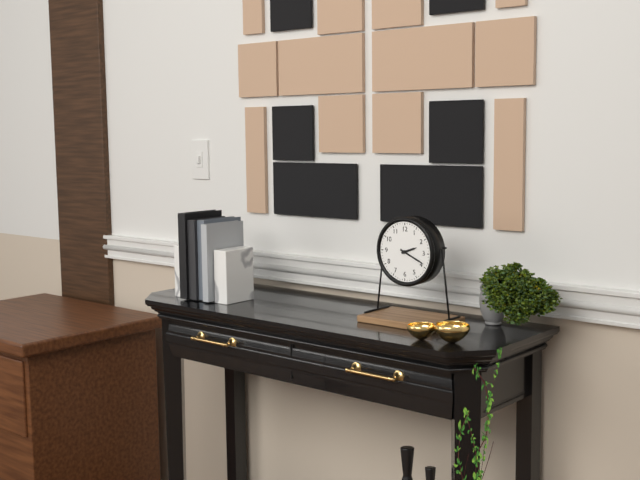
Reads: 2.19
